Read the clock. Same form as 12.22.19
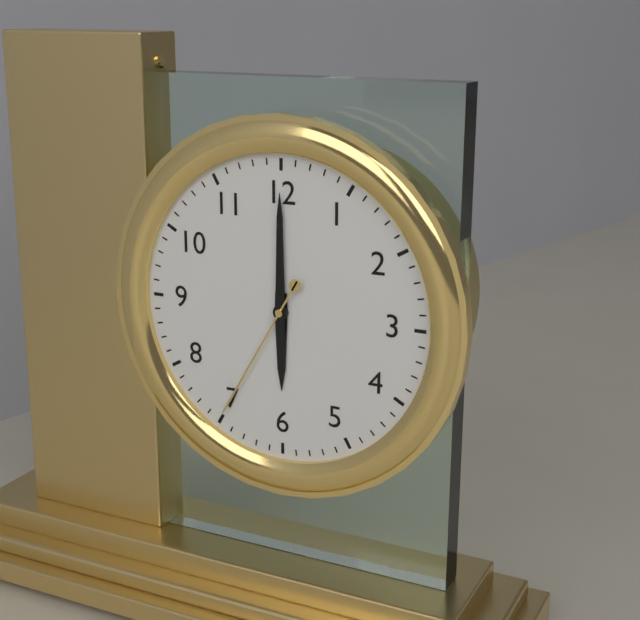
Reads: 6.00.35
